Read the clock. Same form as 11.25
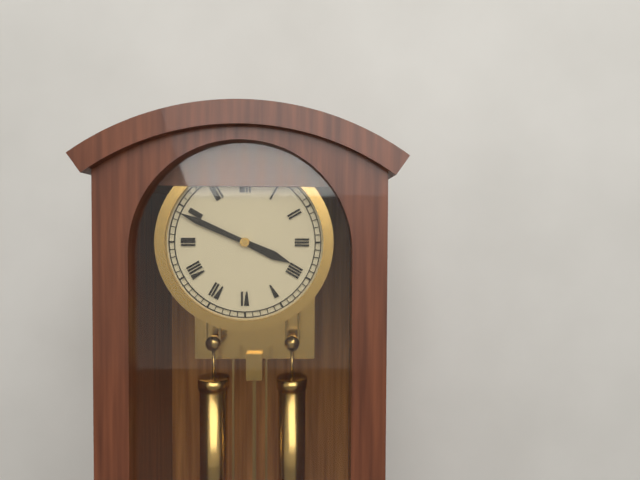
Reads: 3.49
